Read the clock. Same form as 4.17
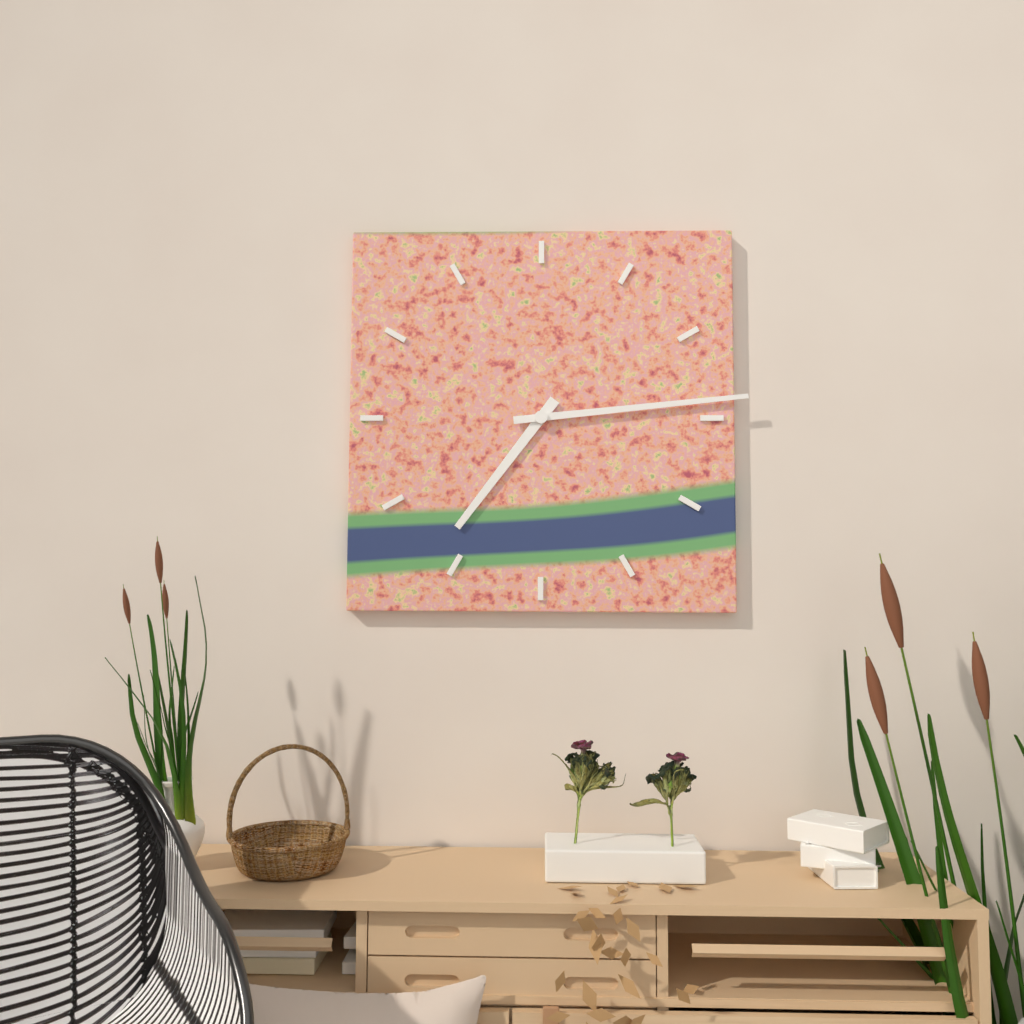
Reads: 7.14
